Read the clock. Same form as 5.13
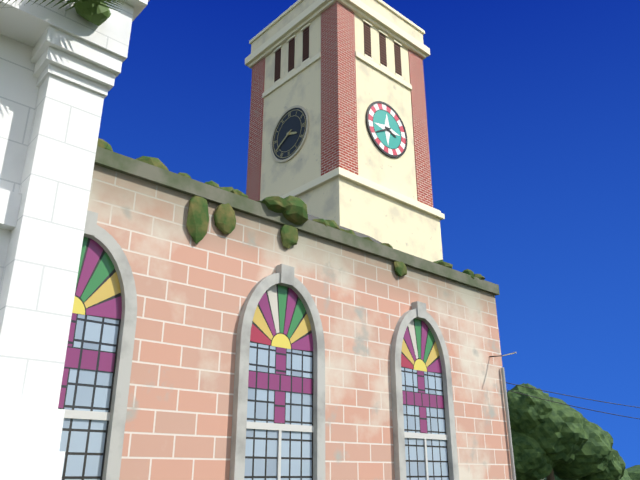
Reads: 3.40
